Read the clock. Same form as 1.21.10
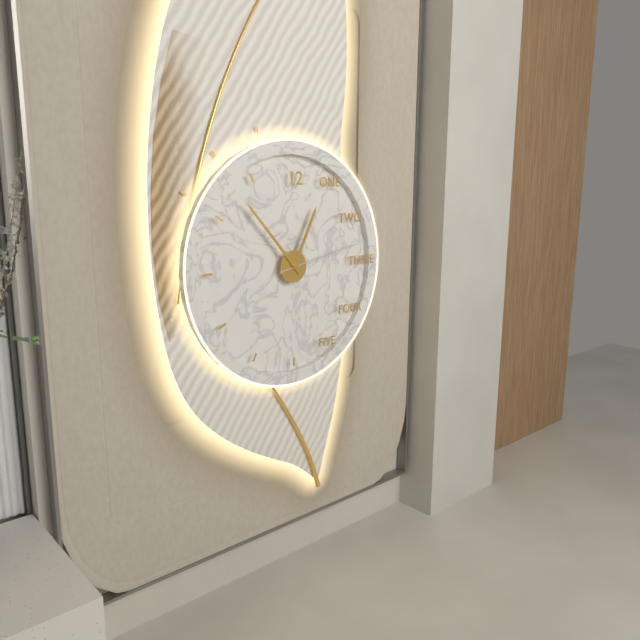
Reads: 12.53.13
